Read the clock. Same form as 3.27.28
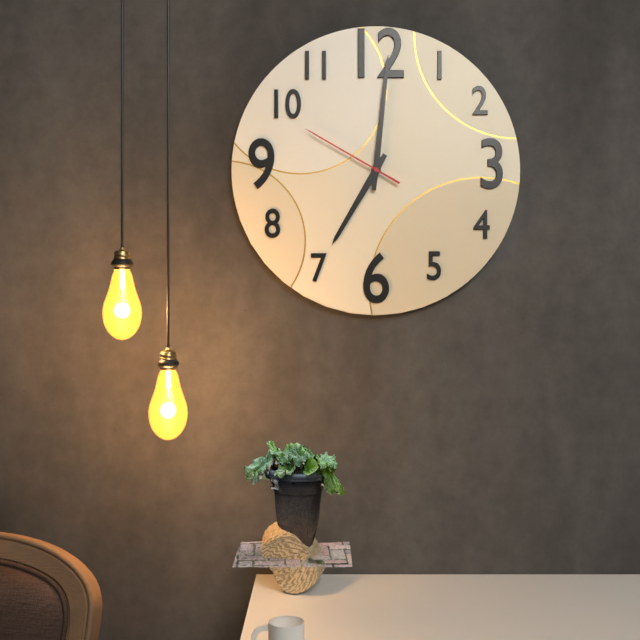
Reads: 7.01.50
